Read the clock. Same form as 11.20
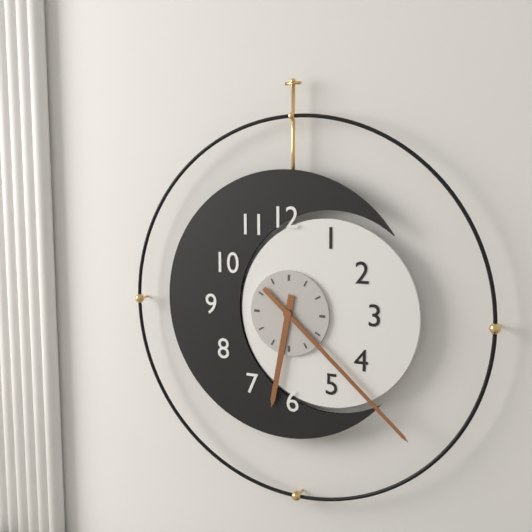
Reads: 6.22
